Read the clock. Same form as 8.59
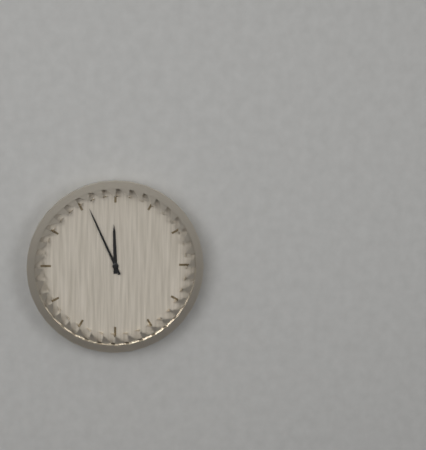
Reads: 11.56
